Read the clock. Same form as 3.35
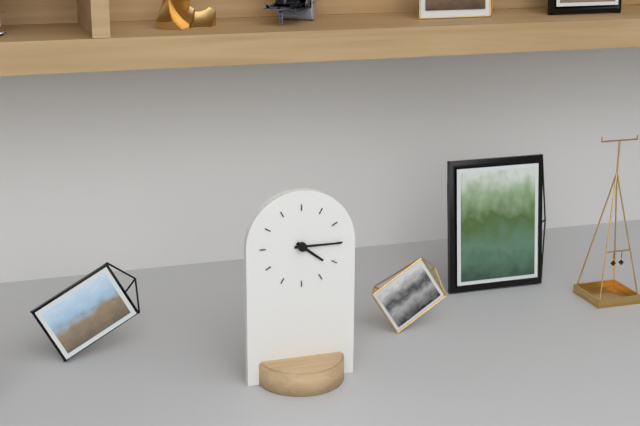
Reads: 4.15
